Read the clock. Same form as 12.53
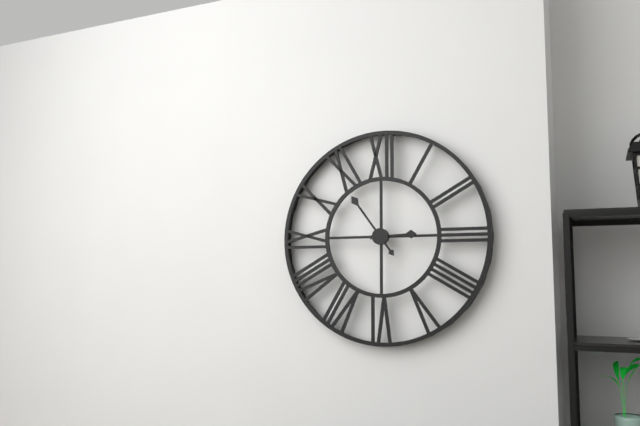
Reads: 2.54
